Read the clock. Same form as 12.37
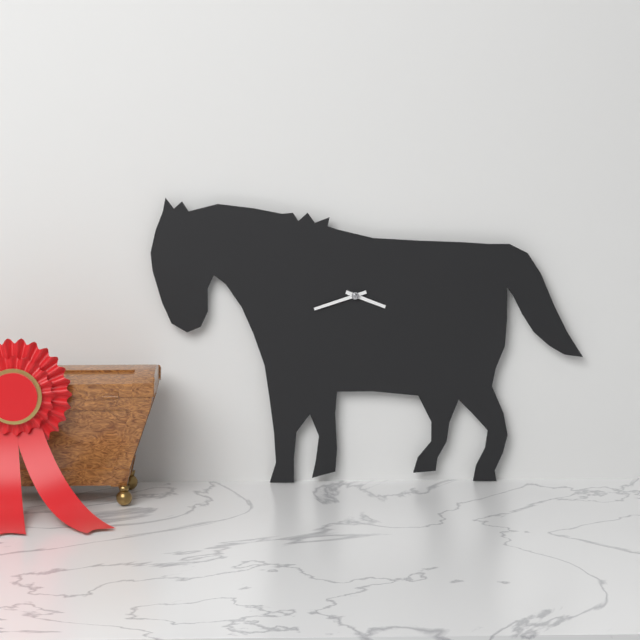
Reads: 3.42
